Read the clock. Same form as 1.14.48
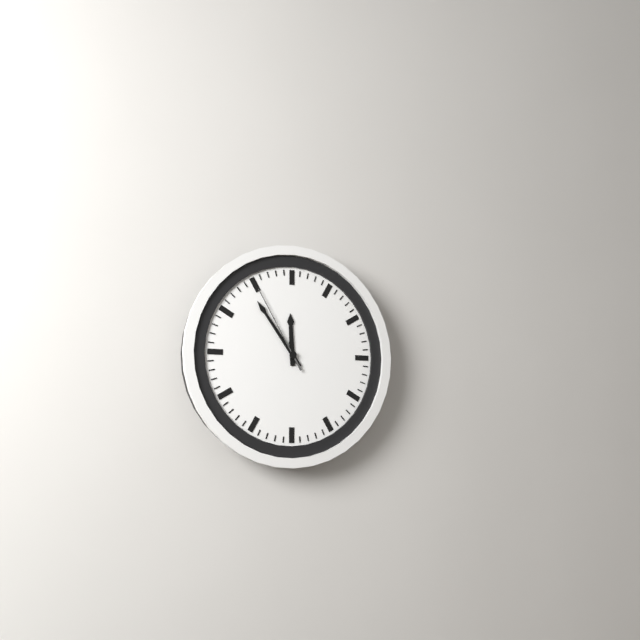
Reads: 11.54.55
